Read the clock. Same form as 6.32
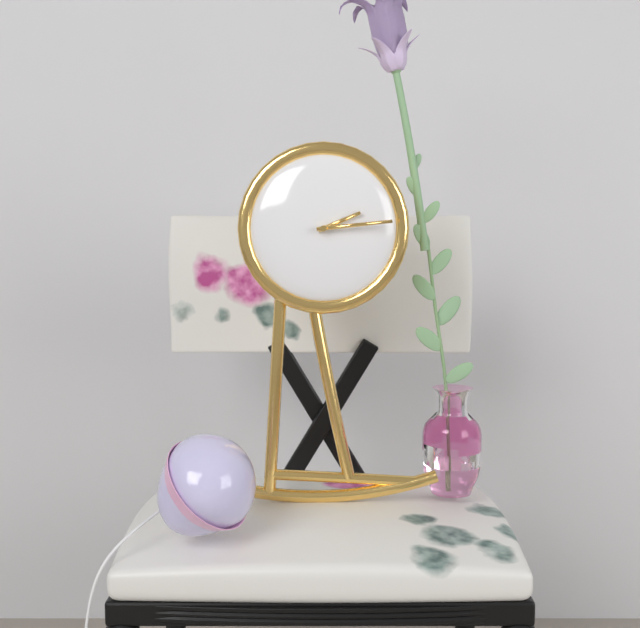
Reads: 2.14
